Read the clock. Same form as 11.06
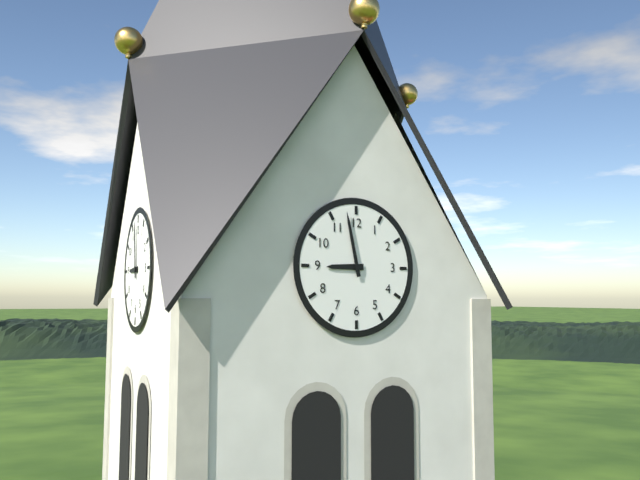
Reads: 8.58
